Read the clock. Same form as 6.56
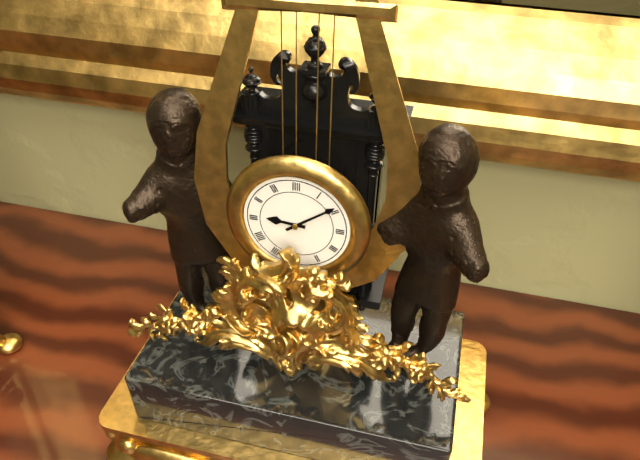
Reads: 9.09
